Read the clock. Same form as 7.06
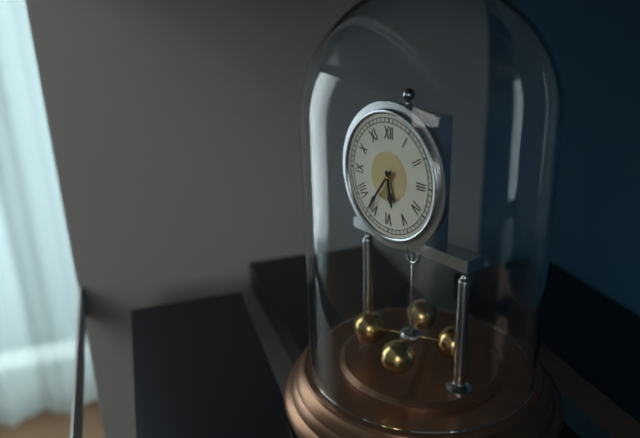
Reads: 5.36
